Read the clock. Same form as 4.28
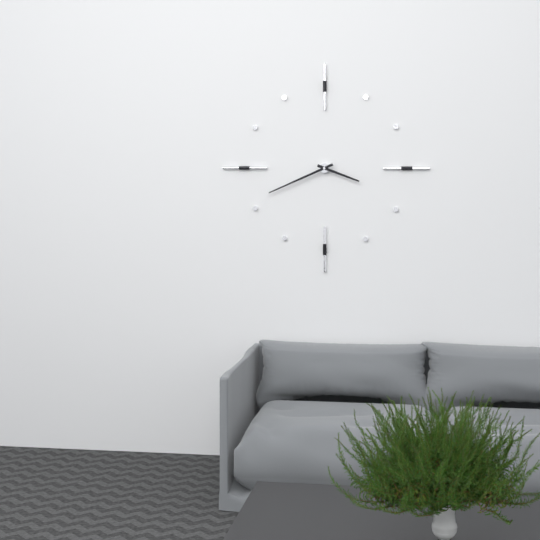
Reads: 3.41
